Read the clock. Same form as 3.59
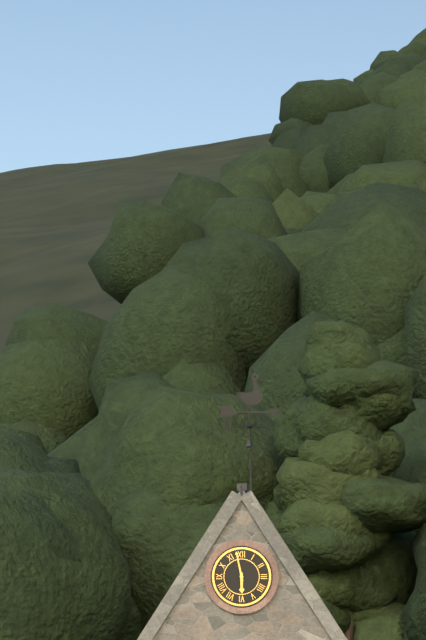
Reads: 5.58
